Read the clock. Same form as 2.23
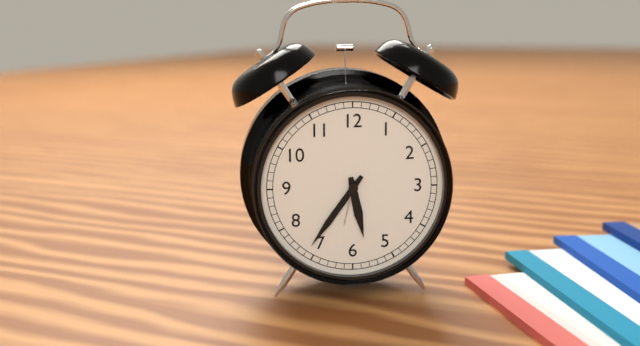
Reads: 5.36
